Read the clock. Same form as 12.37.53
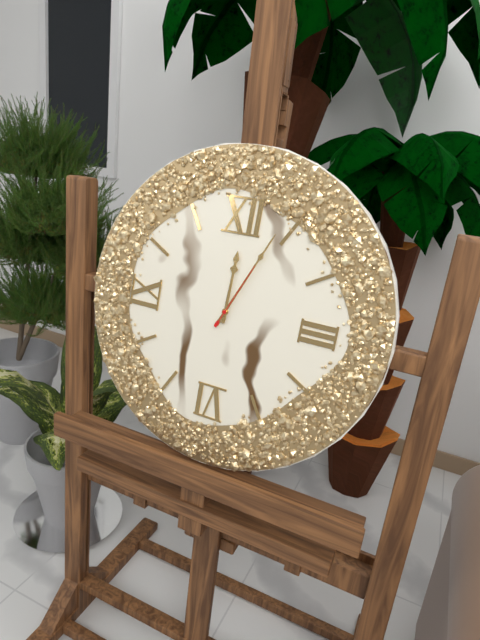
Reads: 12.04.04
